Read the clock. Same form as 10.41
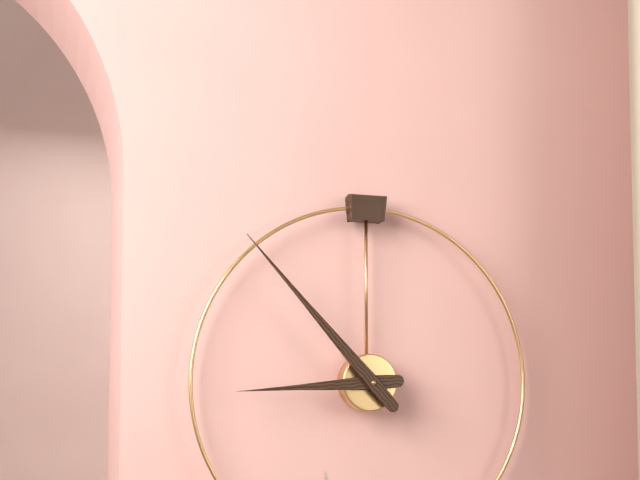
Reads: 8.53
